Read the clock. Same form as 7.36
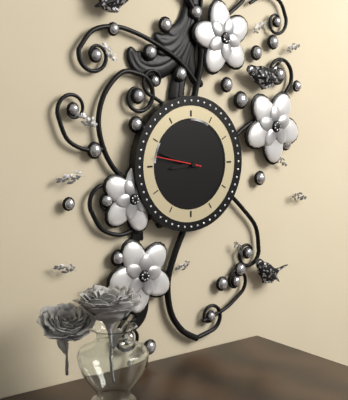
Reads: 8.48
